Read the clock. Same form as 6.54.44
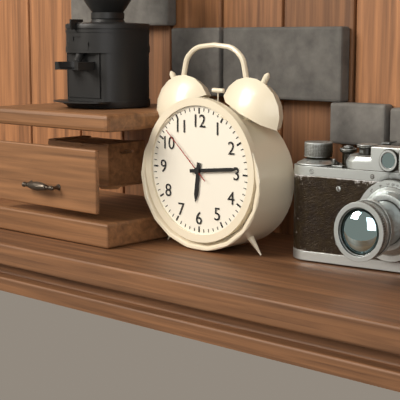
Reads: 6.14.52
